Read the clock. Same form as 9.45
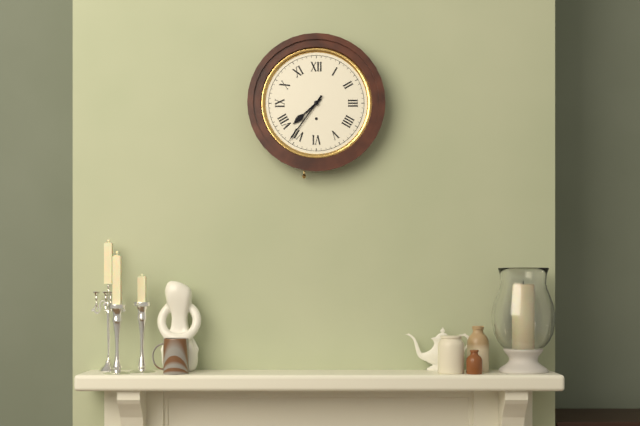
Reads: 7.36
